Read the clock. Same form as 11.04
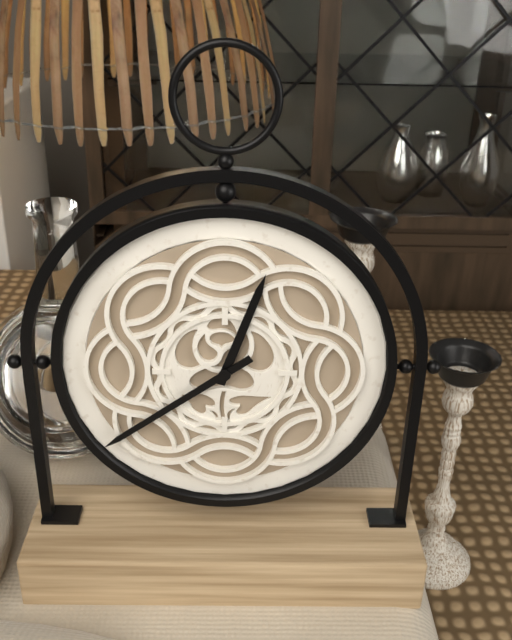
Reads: 12.39
